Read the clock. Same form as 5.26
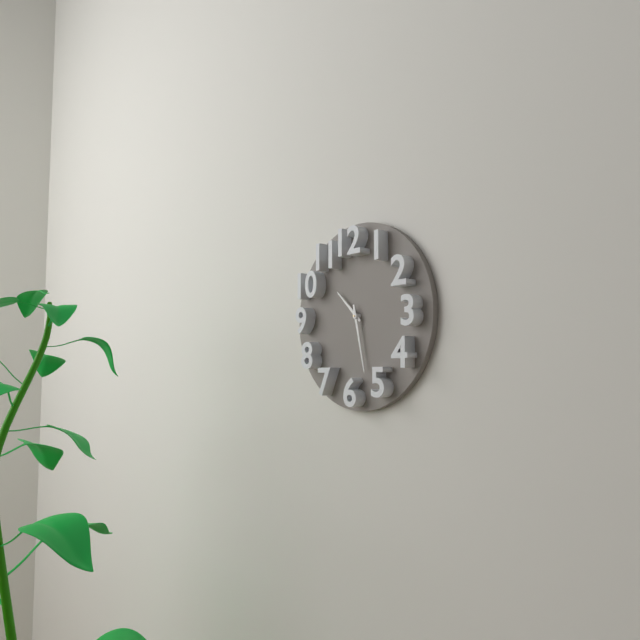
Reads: 10.28
